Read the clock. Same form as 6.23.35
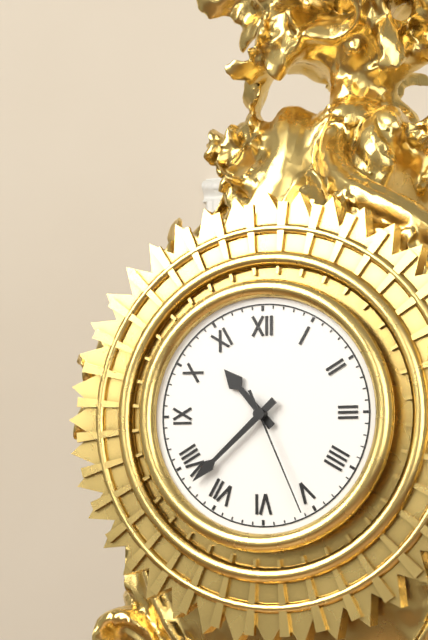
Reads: 10.38.26
